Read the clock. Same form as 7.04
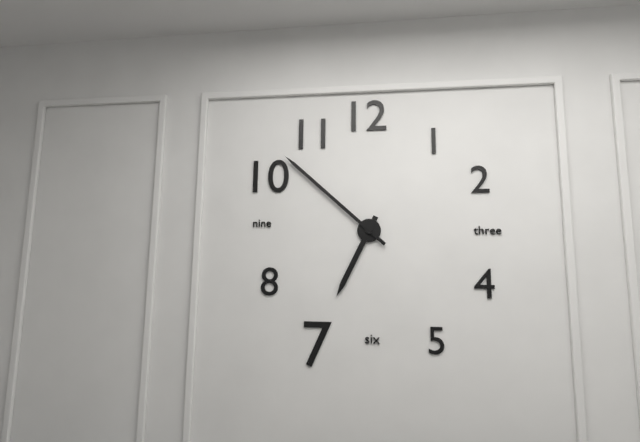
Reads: 6.52
